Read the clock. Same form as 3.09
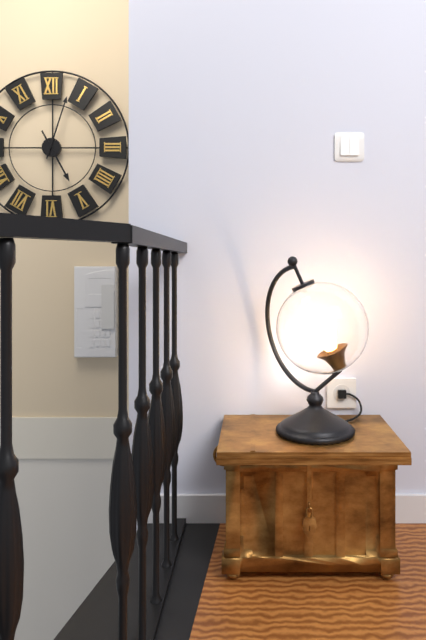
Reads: 5.03
